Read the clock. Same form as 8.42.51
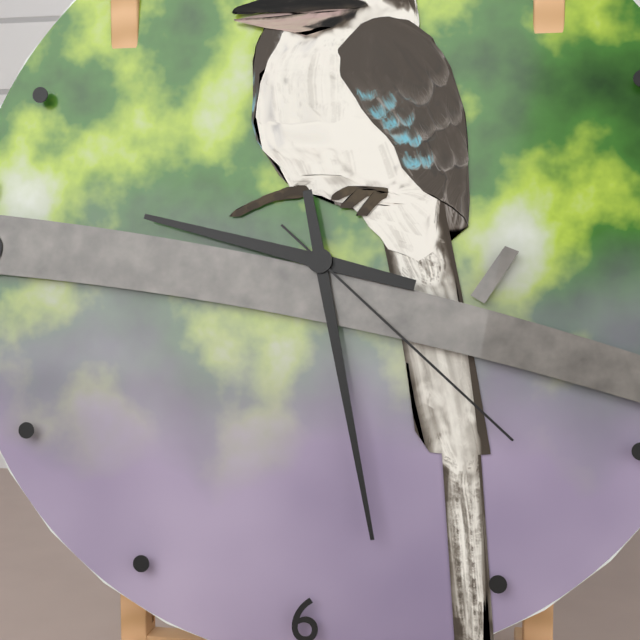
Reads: 9.28.22
